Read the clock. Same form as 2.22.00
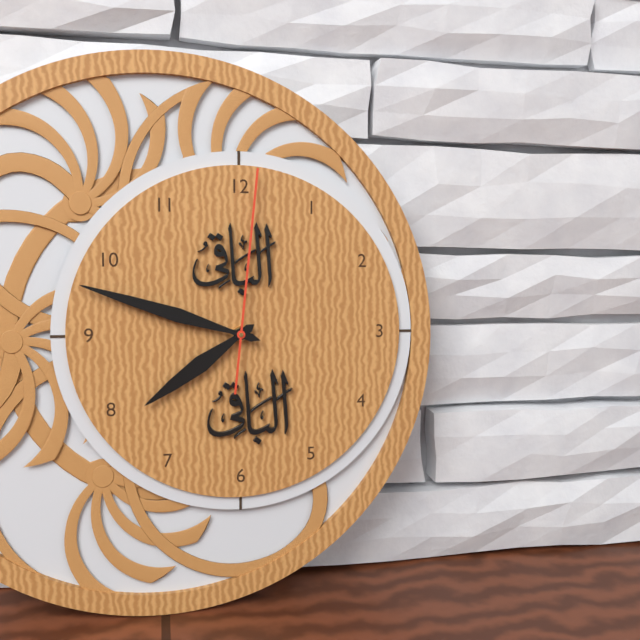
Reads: 7.48.01
